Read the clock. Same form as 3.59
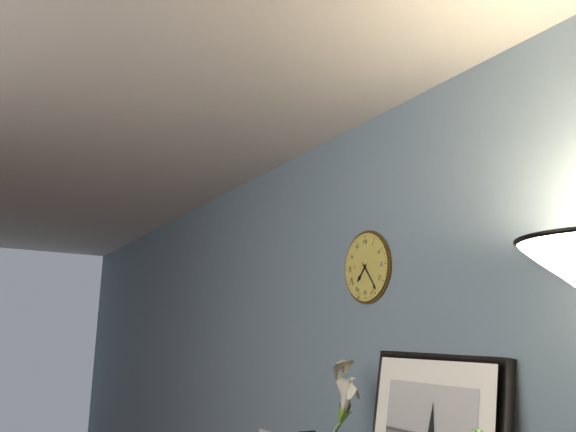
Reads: 7.24
